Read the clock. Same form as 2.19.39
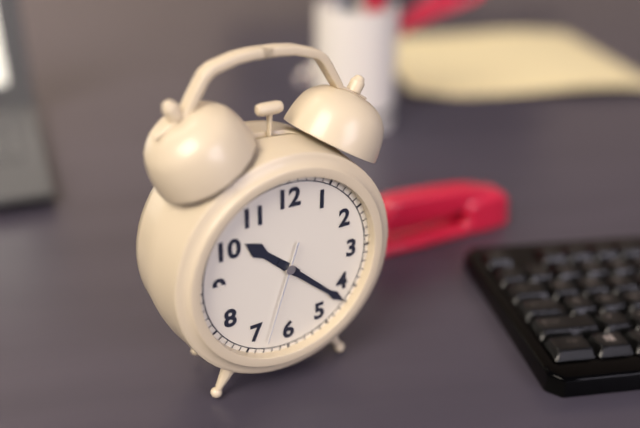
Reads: 10.22.33
